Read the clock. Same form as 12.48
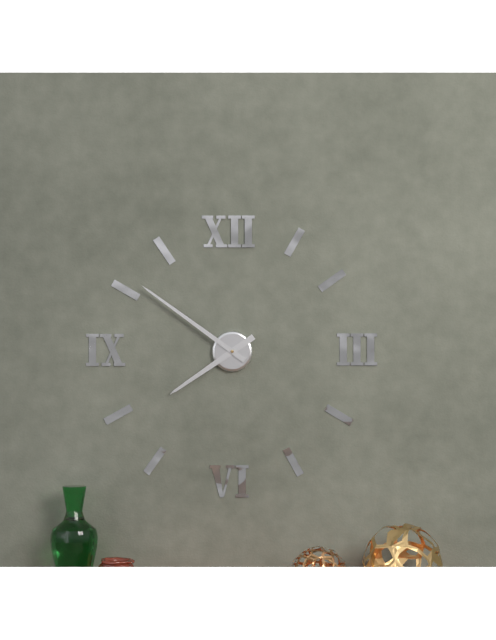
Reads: 7.51
